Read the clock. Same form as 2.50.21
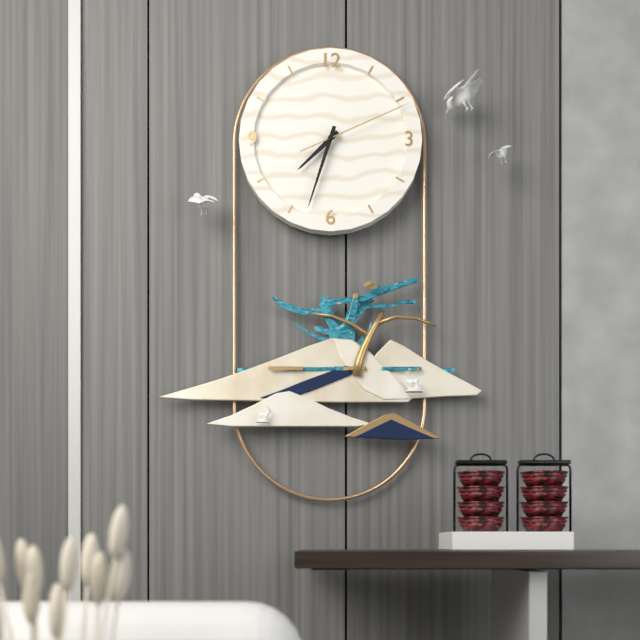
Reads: 7.33.11
